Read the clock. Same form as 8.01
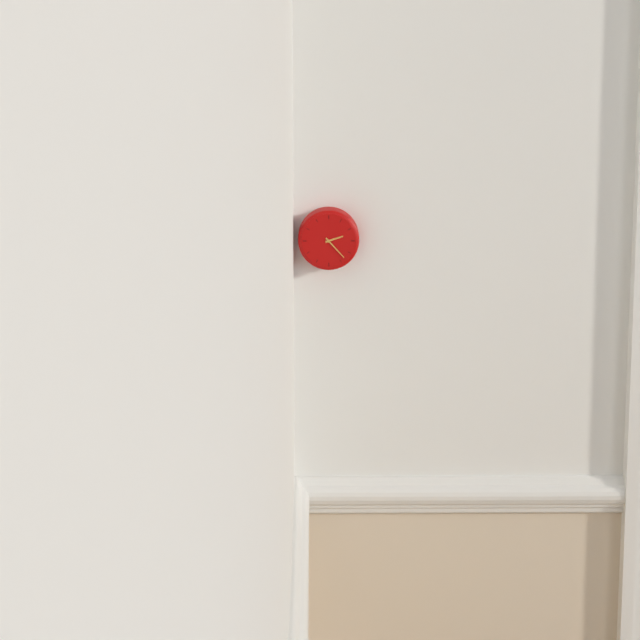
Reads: 2.23
